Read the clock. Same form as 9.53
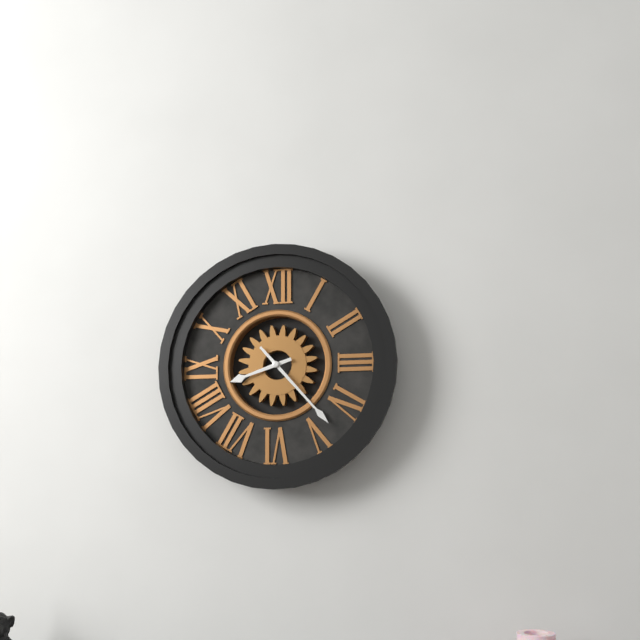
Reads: 8.23
